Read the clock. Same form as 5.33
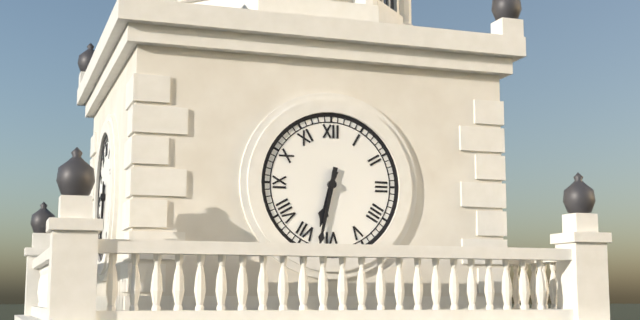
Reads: 6.32
